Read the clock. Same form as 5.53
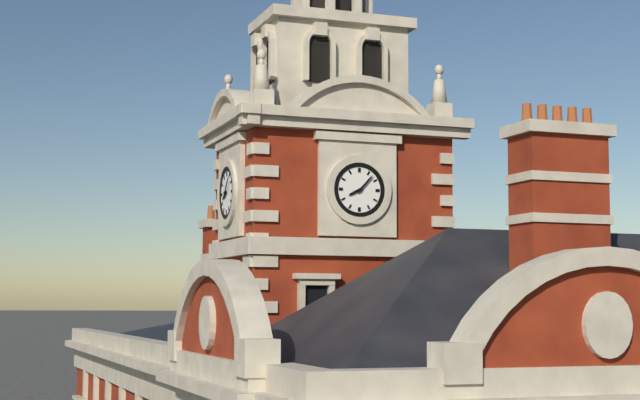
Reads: 8.07
